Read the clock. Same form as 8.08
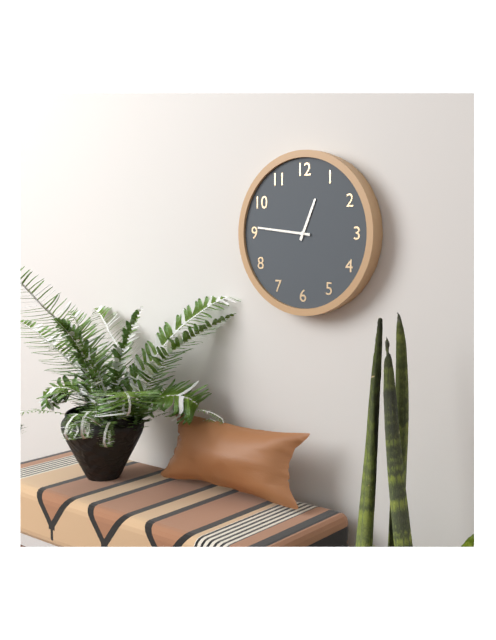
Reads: 12.46
